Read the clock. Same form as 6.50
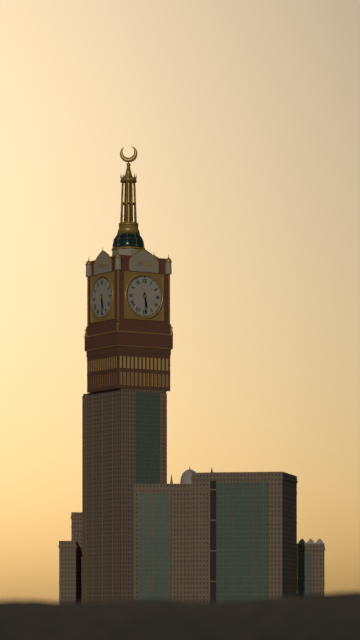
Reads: 5.29
